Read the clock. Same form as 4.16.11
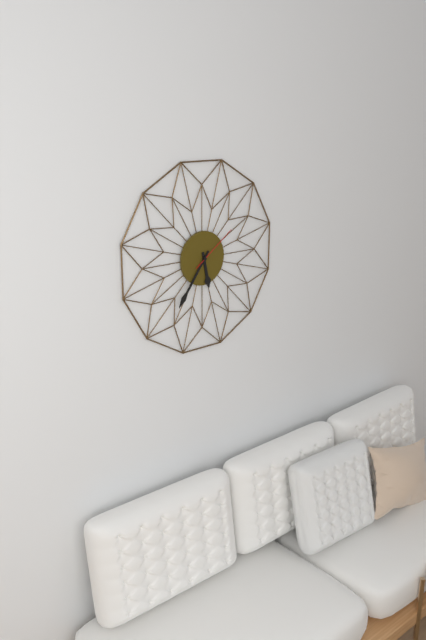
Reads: 5.36.09
